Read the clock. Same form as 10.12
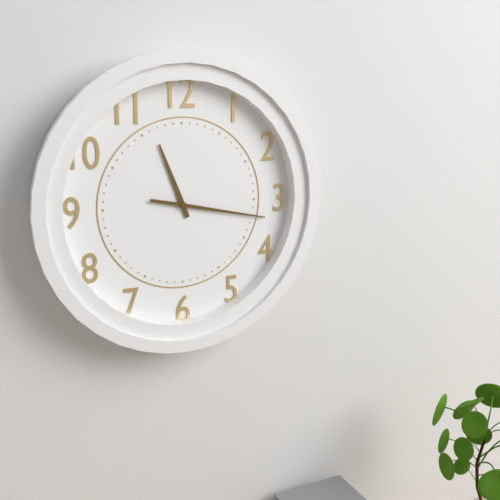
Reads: 11.17
